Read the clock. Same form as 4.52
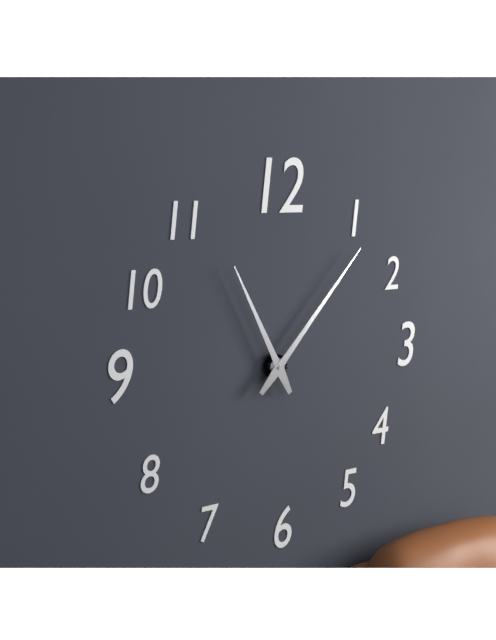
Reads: 11.07
